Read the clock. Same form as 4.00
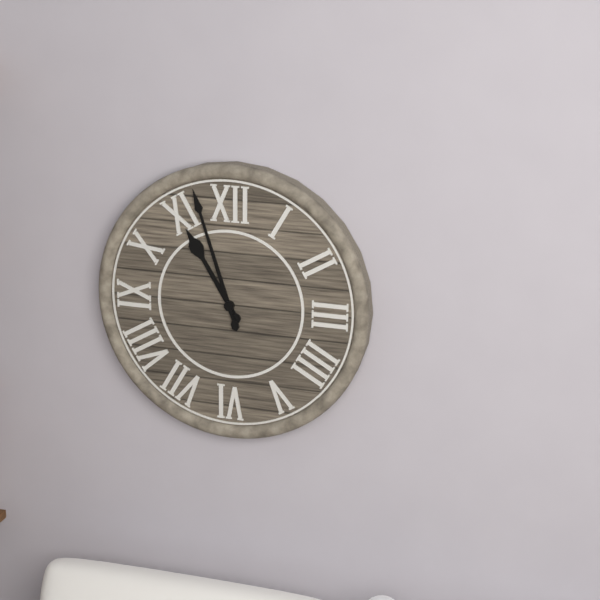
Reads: 10.57
